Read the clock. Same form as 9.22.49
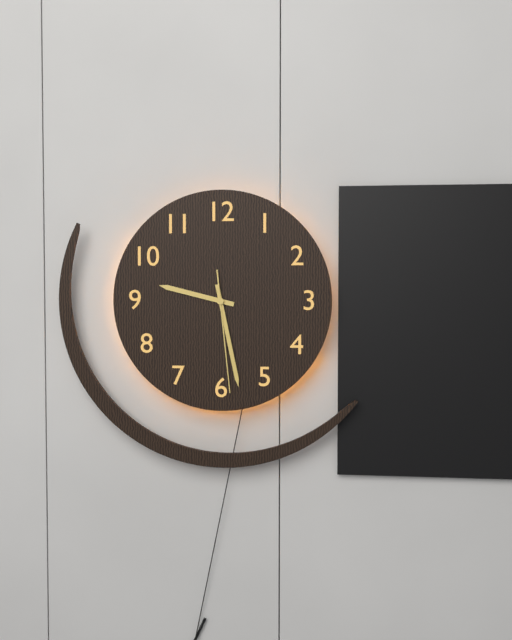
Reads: 9.28.29
